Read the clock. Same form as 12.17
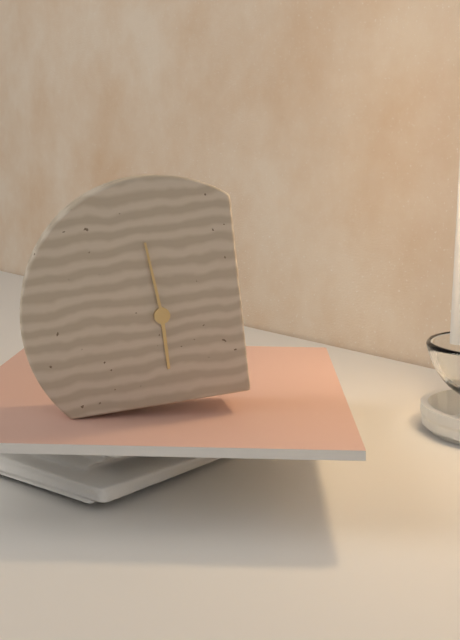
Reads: 5.59
